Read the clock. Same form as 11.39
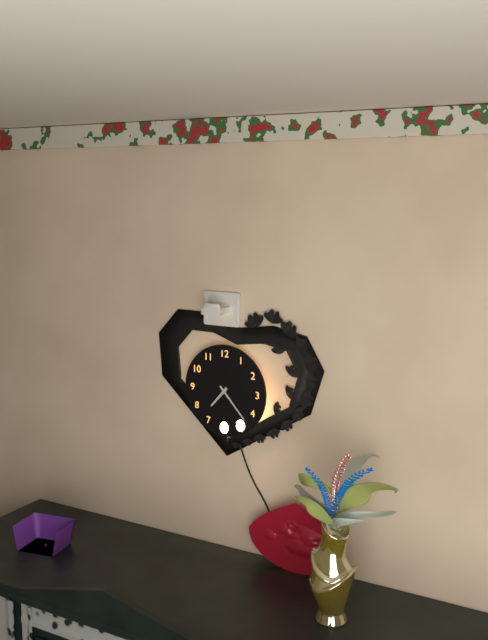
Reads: 7.23
